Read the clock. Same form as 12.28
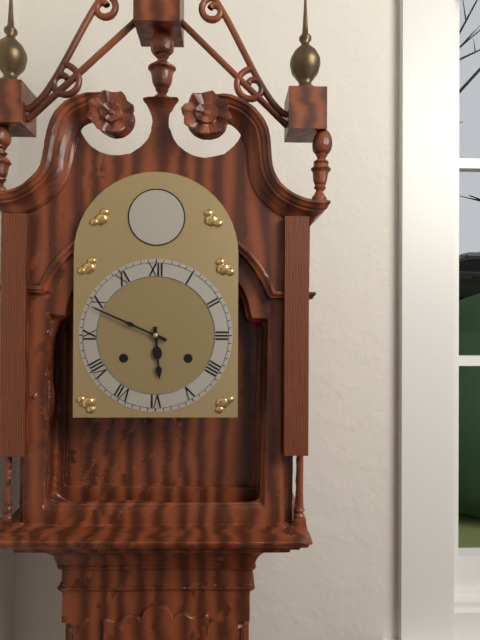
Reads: 5.49
